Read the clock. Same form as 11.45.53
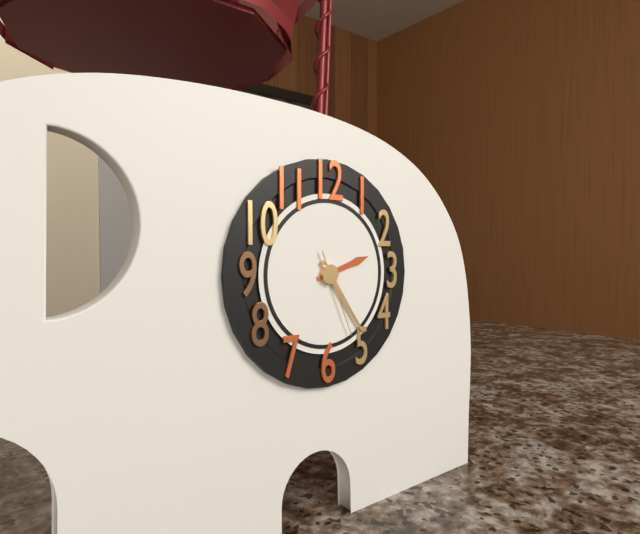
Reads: 2.24.26
